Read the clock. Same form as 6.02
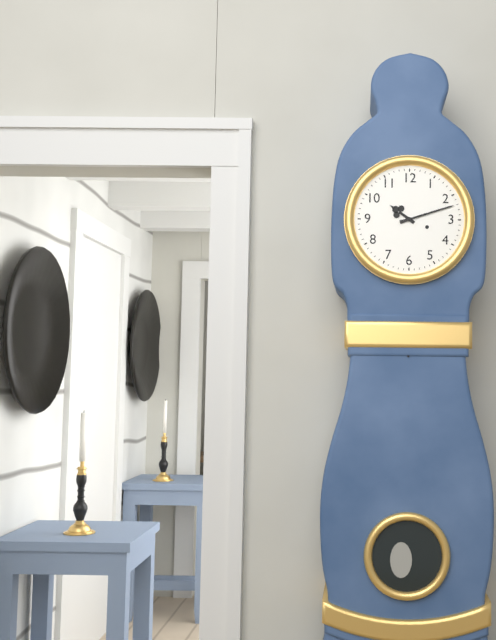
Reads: 10.12
